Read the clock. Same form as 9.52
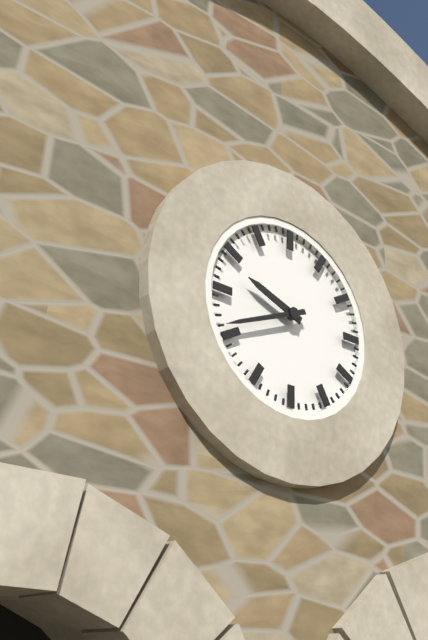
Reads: 9.41
